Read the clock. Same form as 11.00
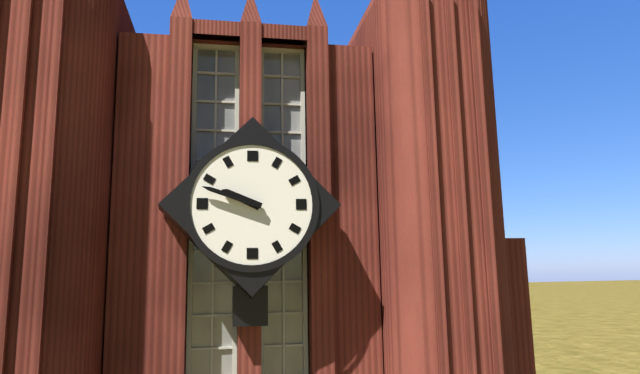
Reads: 9.48
